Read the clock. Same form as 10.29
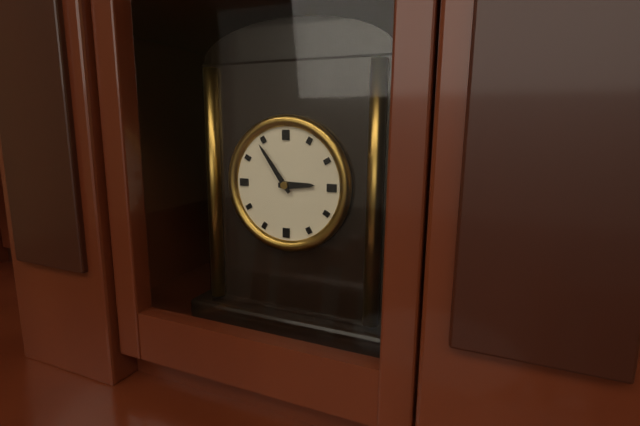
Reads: 2.54
